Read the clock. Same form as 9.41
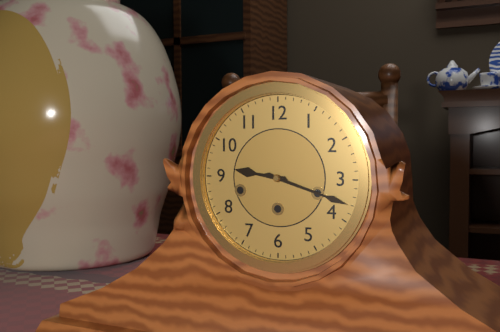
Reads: 9.18
